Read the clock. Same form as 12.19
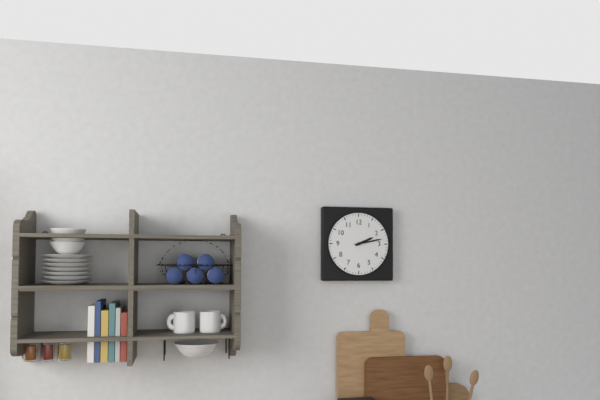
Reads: 2.13
